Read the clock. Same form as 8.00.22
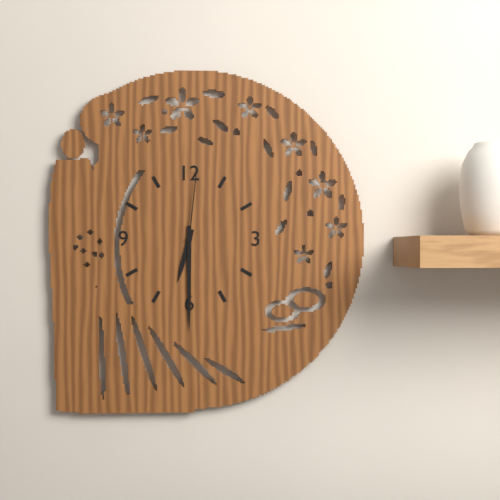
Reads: 6.30.01
